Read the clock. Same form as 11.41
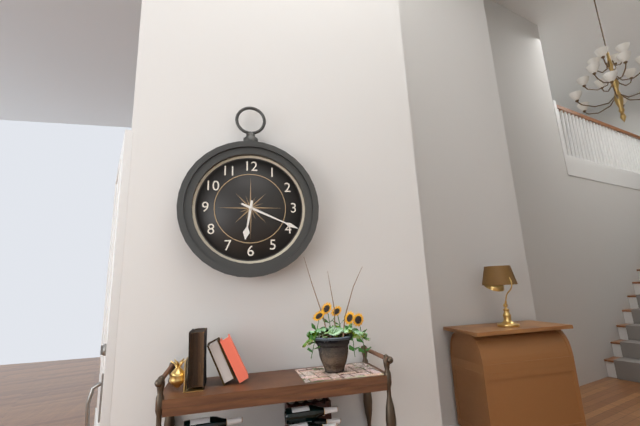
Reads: 6.19
